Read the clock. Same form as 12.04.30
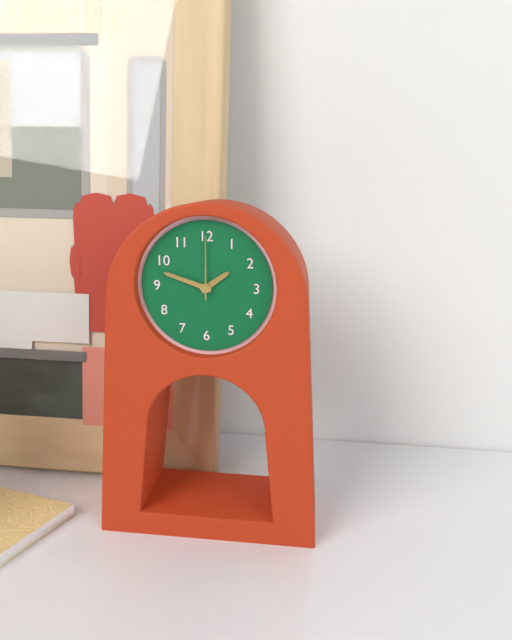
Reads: 1.48.00
